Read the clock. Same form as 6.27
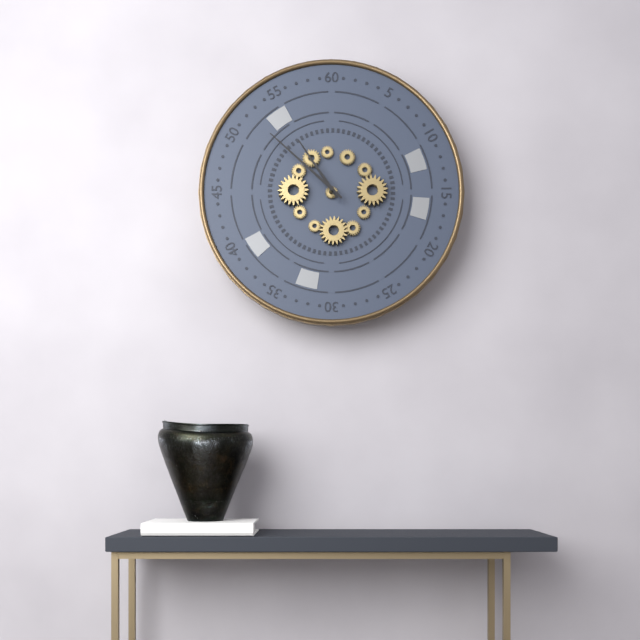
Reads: 10.52
